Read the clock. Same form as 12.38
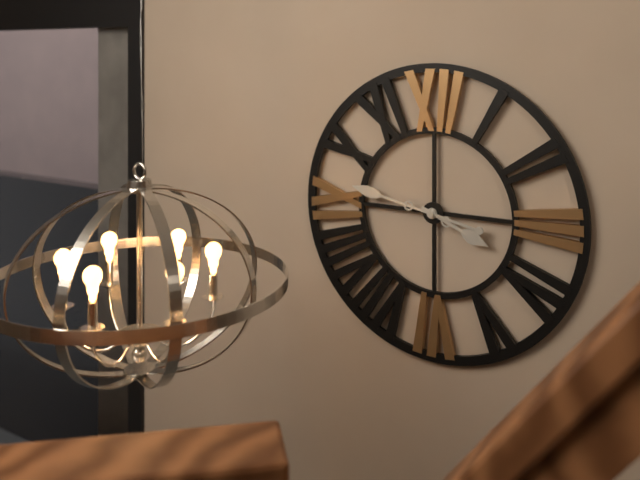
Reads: 3.47
